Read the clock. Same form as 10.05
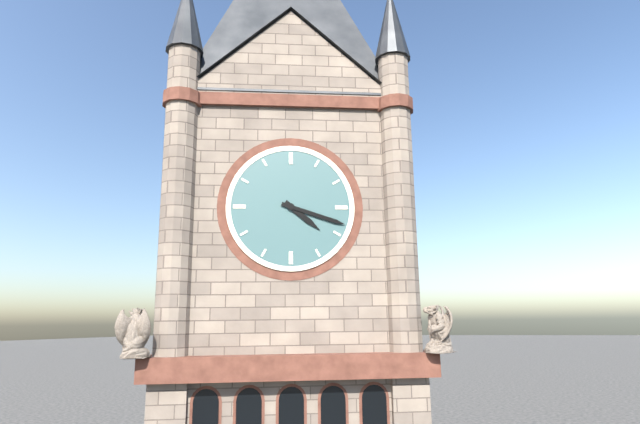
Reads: 4.18
